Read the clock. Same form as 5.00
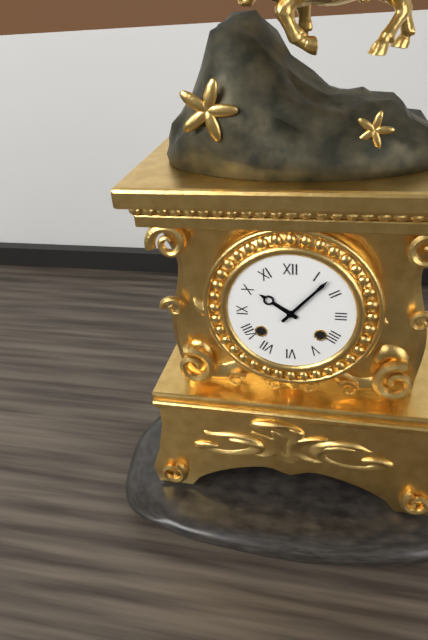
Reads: 10.07
